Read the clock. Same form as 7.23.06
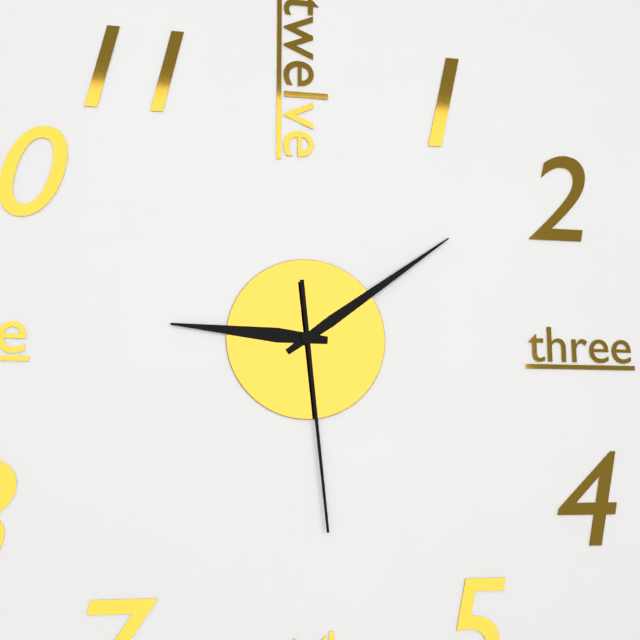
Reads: 9.09.29
